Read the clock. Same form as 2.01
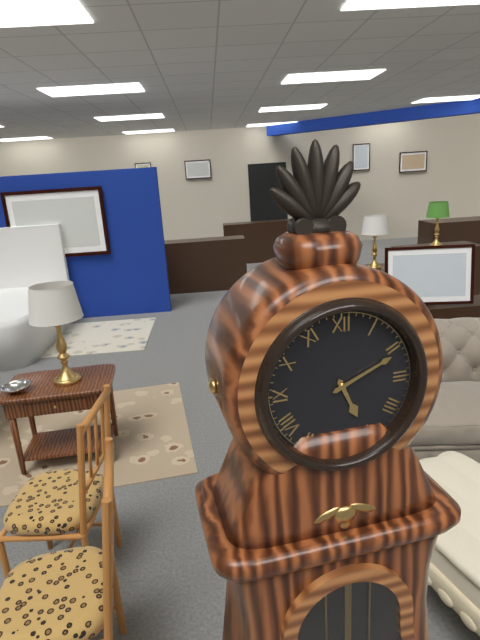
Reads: 5.11
